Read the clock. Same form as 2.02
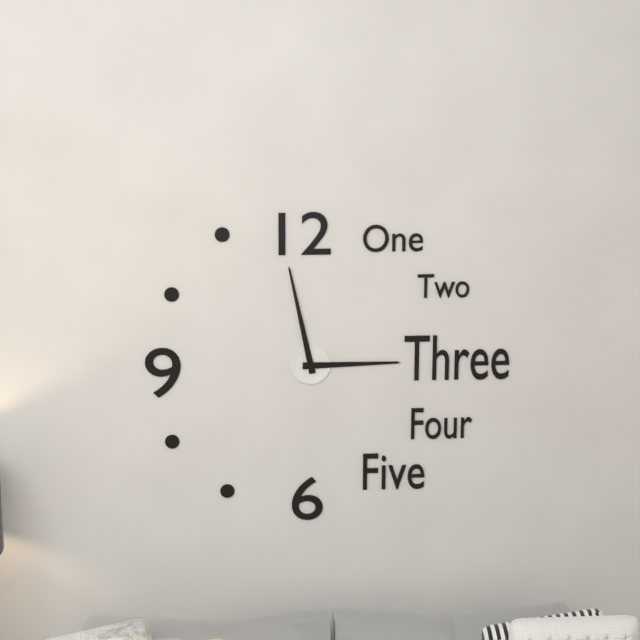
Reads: 2.58
